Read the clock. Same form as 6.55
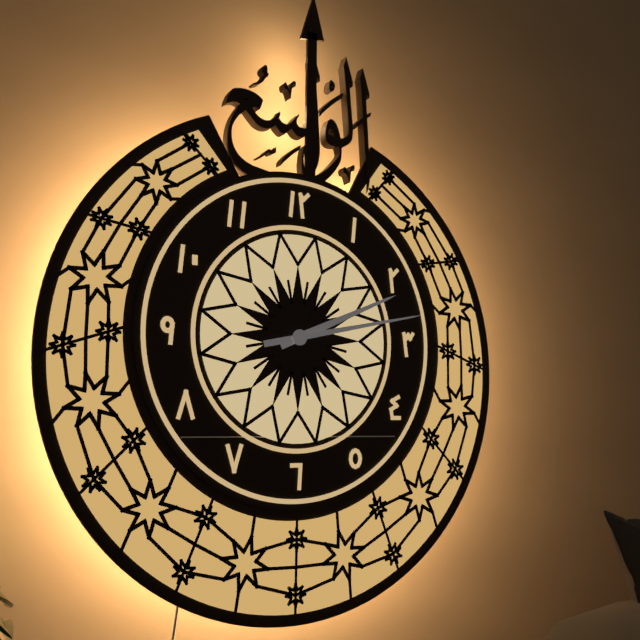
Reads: 2.13
